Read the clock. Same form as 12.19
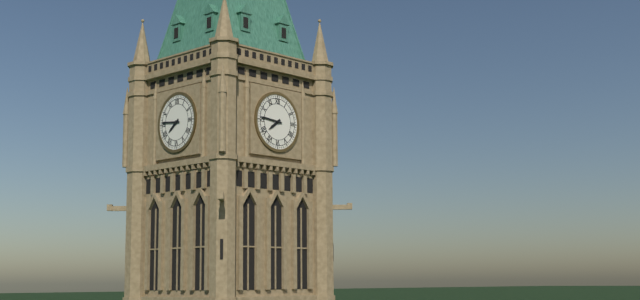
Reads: 7.46
